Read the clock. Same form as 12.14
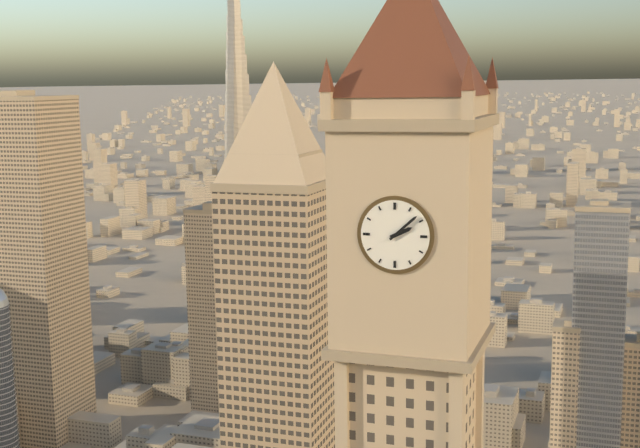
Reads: 2.08
